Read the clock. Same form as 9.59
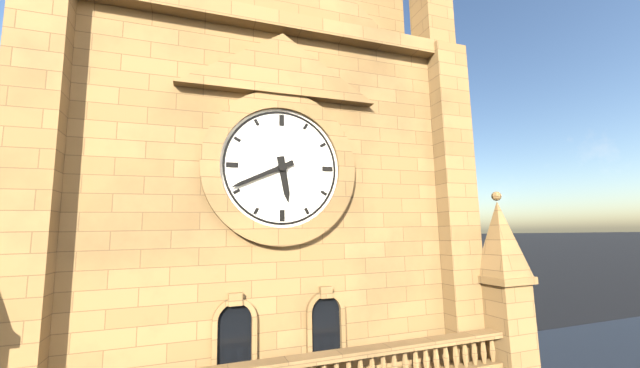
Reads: 5.41
